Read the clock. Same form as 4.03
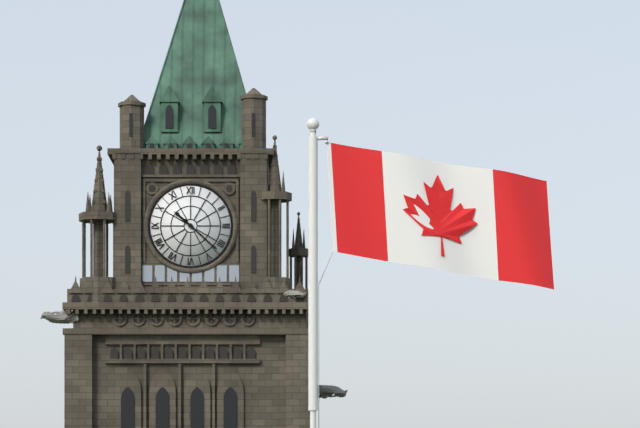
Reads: 10.22
